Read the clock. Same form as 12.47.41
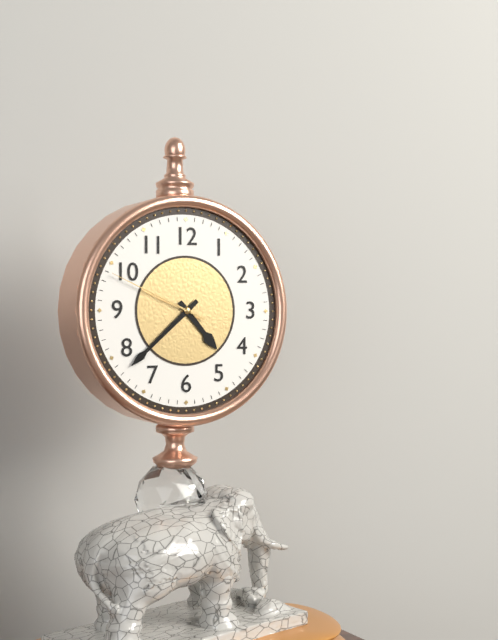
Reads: 4.38.49
